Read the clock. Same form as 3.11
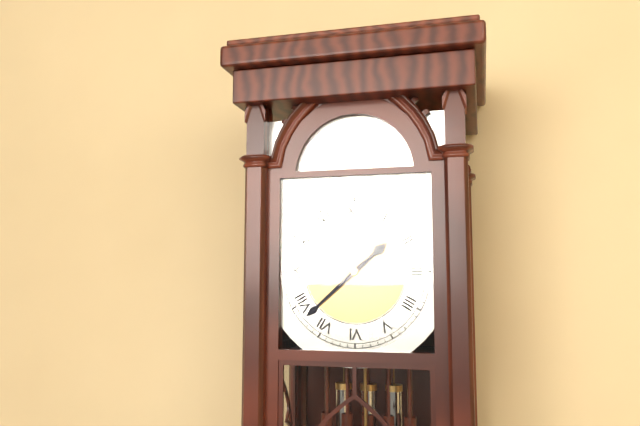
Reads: 1.38
